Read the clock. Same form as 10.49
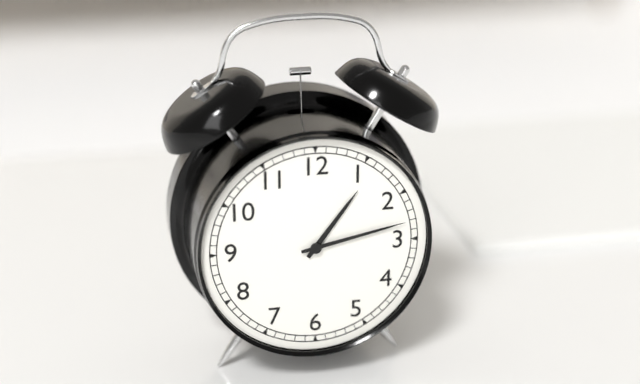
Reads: 1.13
